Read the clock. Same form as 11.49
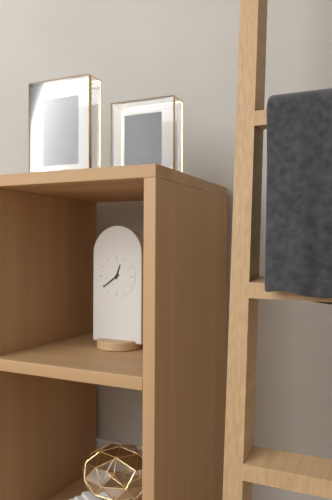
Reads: 12.39
